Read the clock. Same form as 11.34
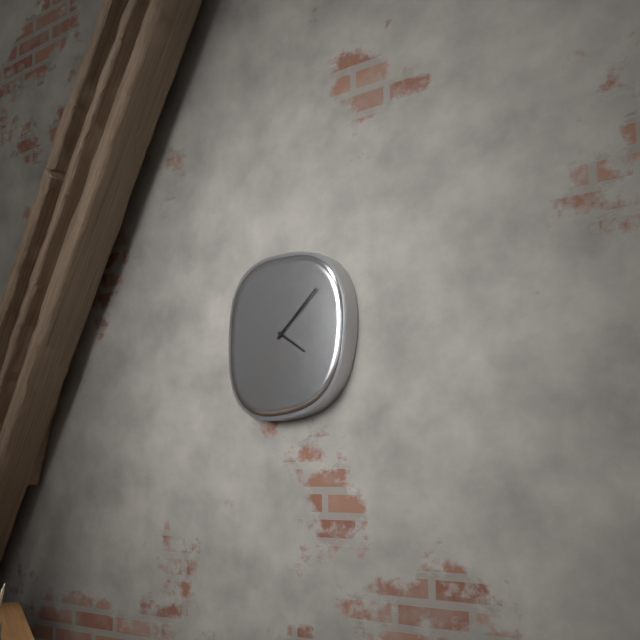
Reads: 4.08
